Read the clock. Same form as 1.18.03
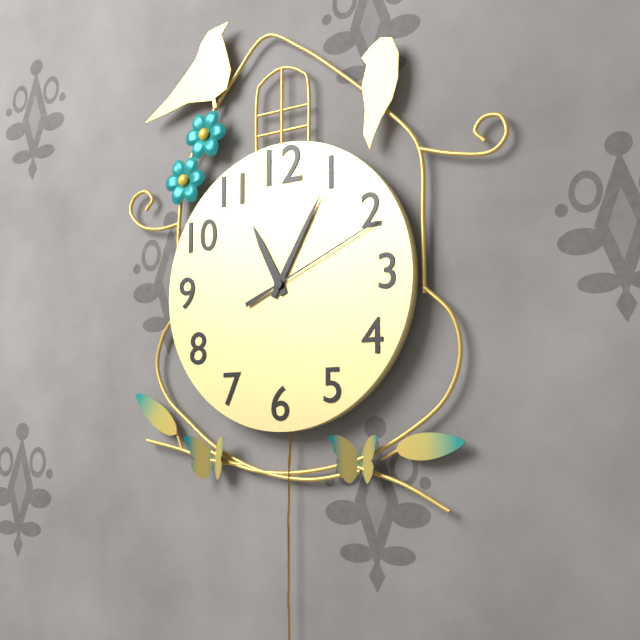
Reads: 11.05.11
